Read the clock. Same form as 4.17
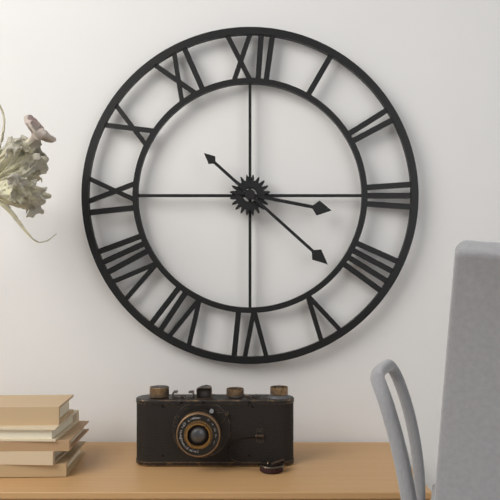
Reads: 3.22
